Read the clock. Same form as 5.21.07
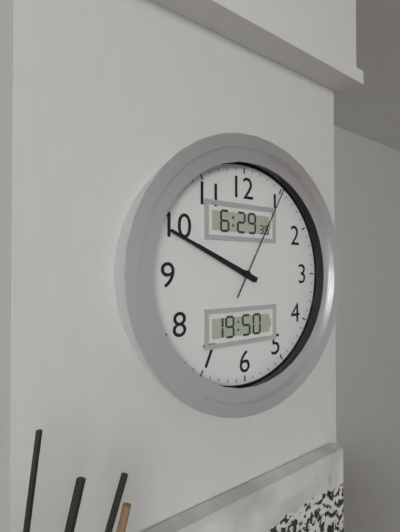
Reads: 9.49.05
